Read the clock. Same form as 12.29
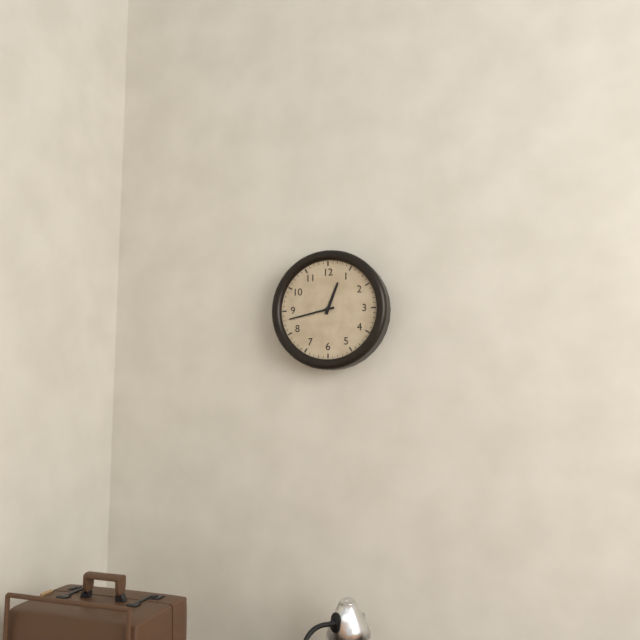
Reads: 12.43
